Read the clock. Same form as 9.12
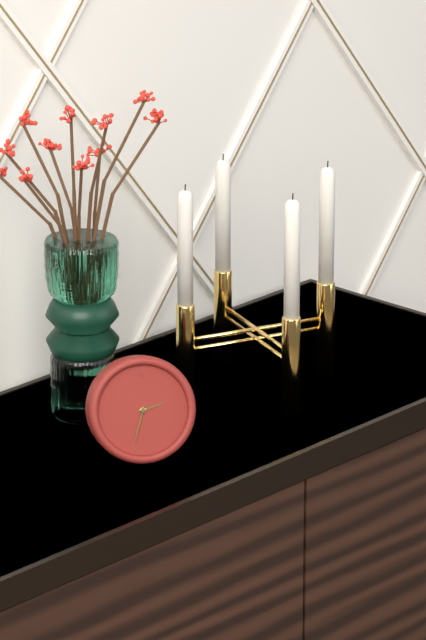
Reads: 2.33
